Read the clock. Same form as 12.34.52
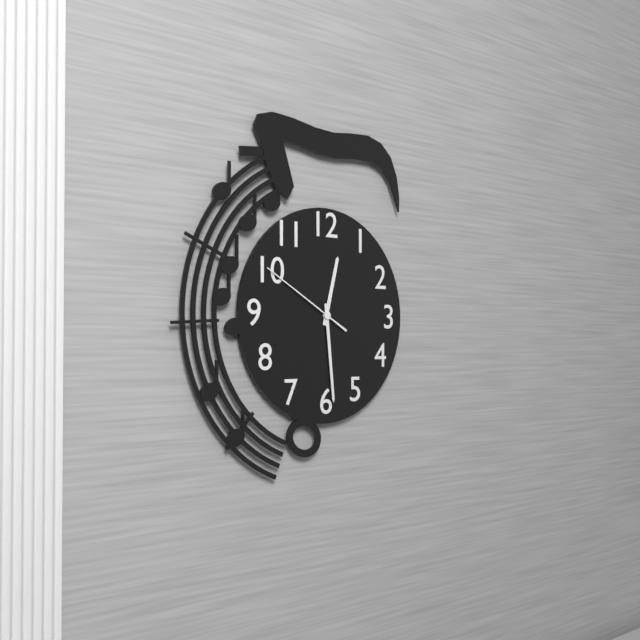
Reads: 12.29.50
